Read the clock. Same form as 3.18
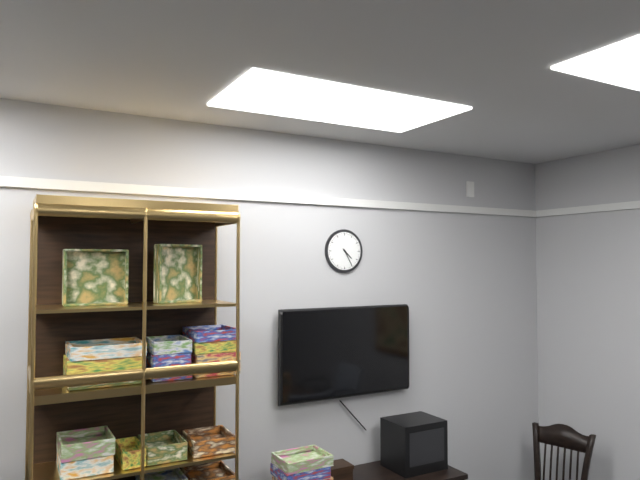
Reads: 4.25
